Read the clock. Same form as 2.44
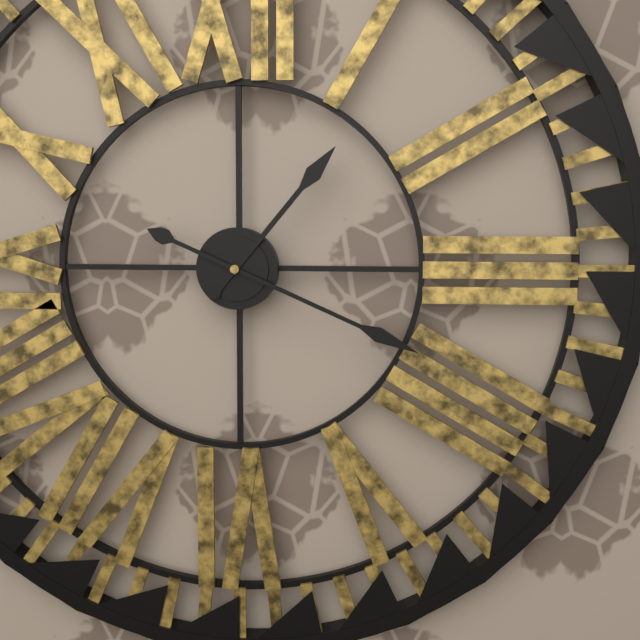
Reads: 1.19
